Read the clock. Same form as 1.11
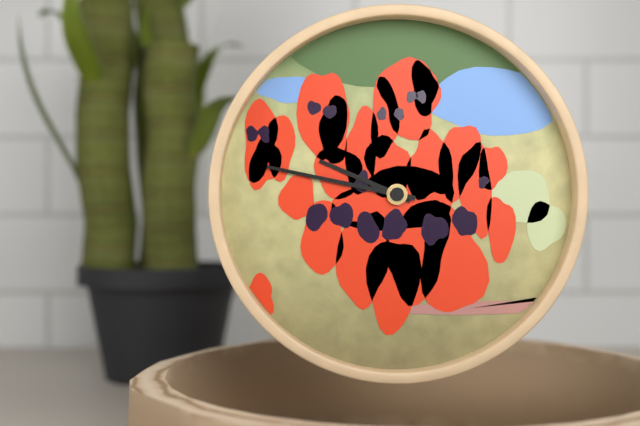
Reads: 9.47
